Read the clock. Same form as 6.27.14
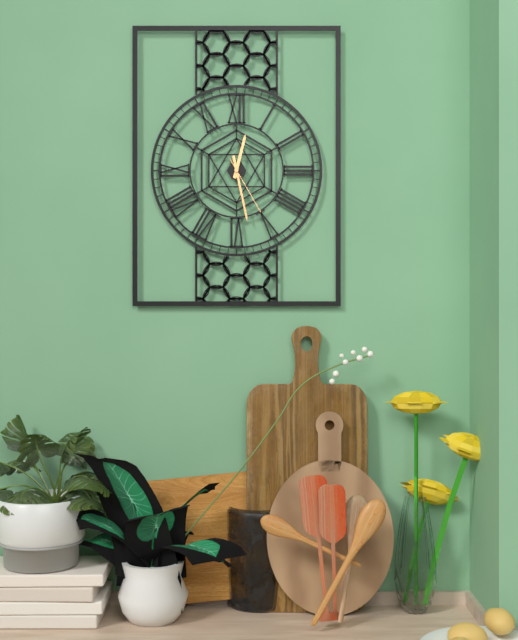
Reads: 12.28.25
